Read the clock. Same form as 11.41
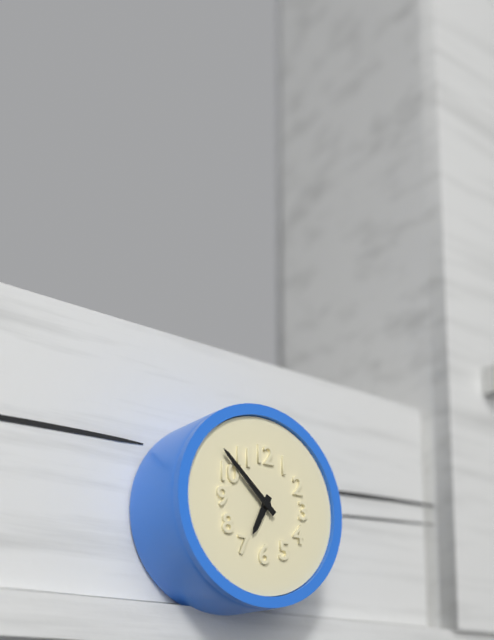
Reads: 6.52
